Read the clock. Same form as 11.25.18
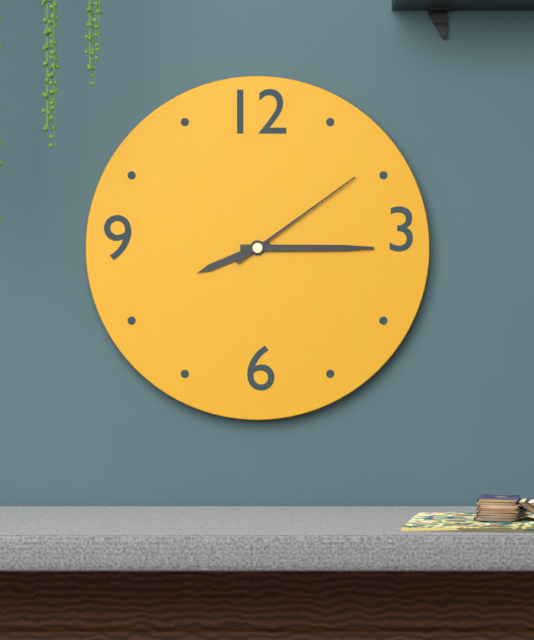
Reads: 8.15.09
